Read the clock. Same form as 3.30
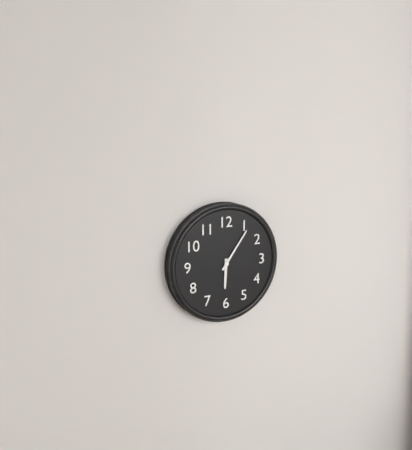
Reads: 6.06
